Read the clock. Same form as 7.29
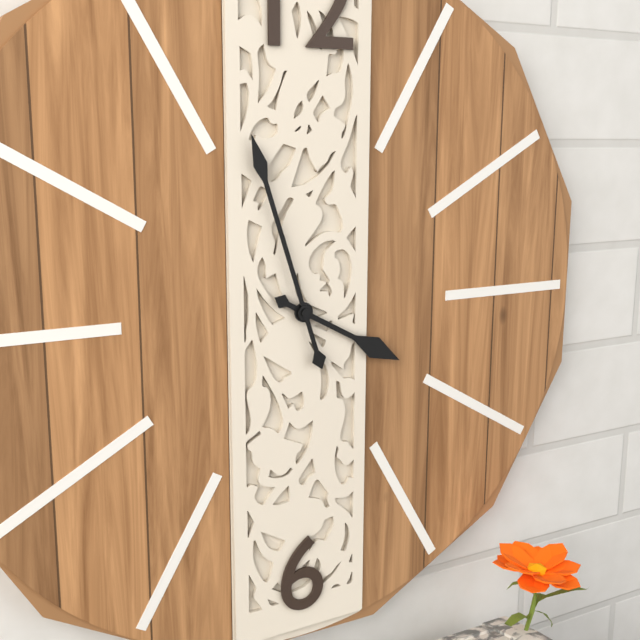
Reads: 3.57
